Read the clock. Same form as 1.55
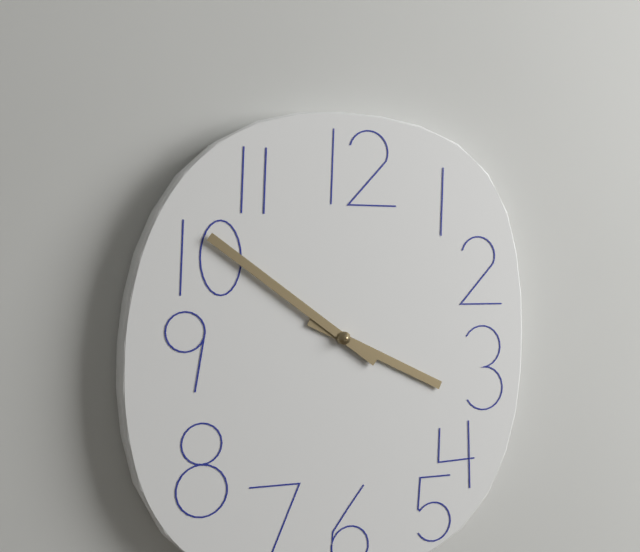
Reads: 3.51
